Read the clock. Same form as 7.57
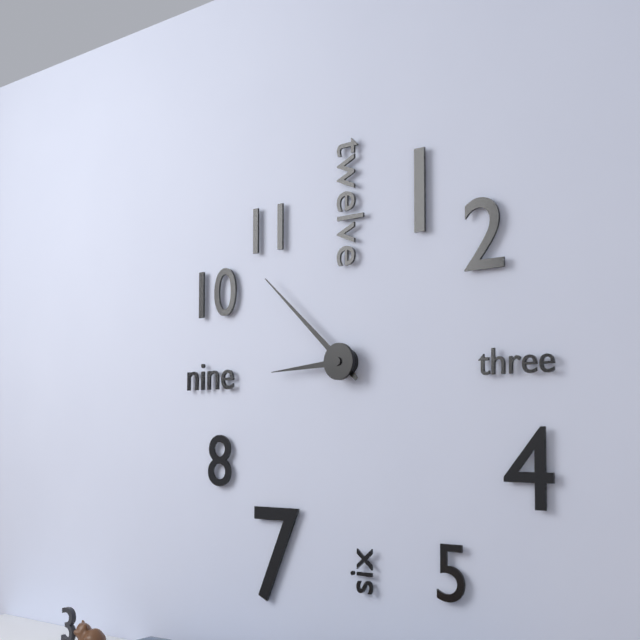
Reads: 8.52
